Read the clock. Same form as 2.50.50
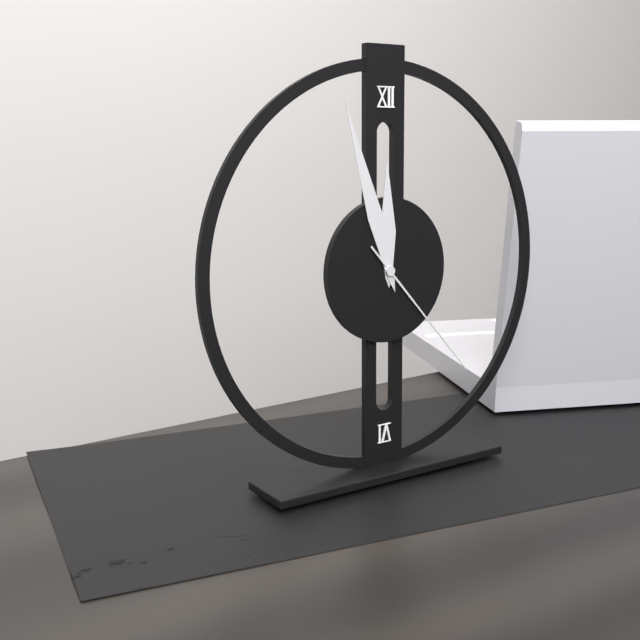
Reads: 11.57.23
